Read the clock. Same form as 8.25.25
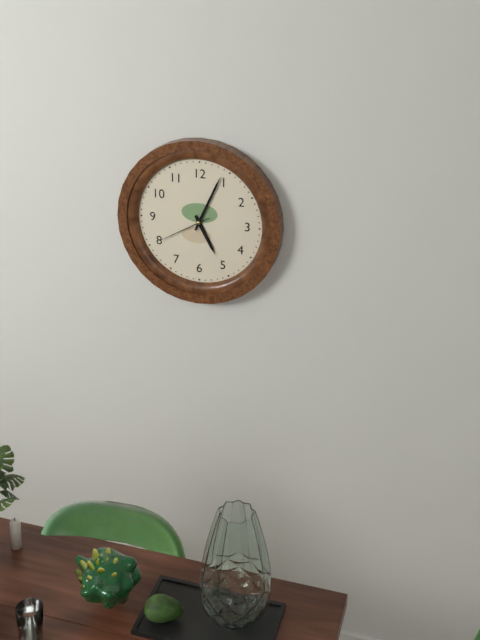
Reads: 5.04.40
